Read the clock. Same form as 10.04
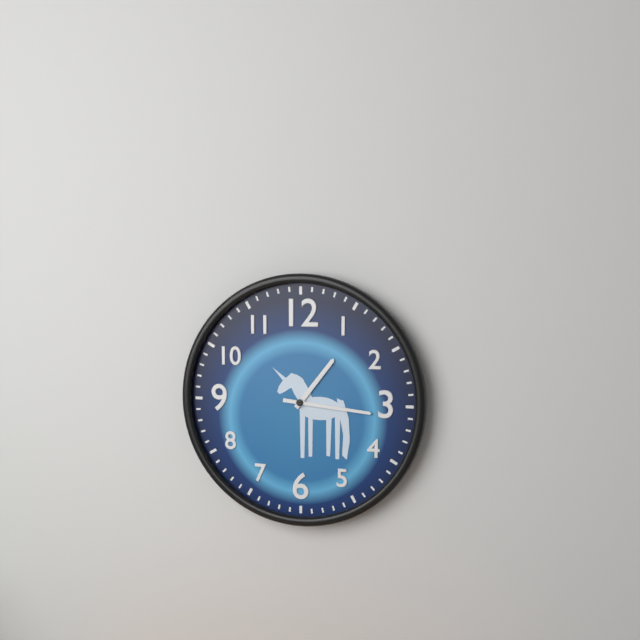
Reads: 1.16
